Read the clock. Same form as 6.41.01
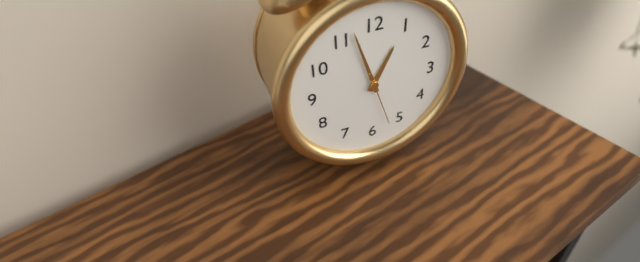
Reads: 12.57.27
